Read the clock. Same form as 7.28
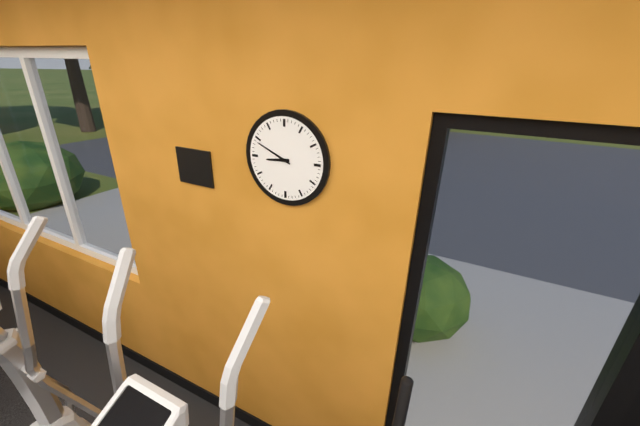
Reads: 8.49
